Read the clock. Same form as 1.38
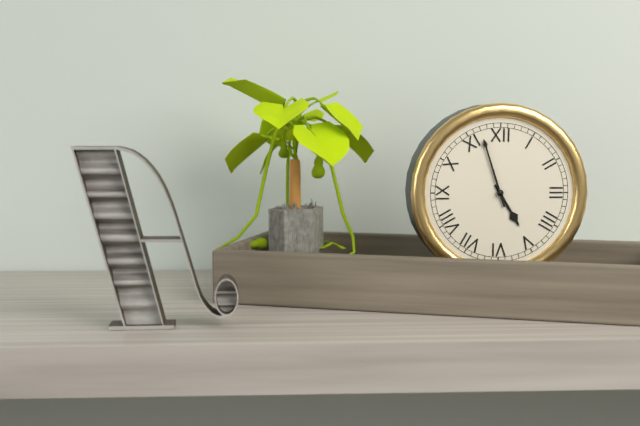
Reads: 4.57
